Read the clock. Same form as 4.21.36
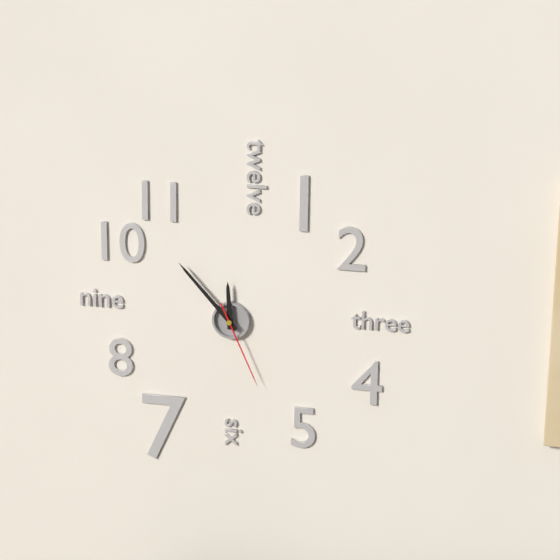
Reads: 11.53.26
